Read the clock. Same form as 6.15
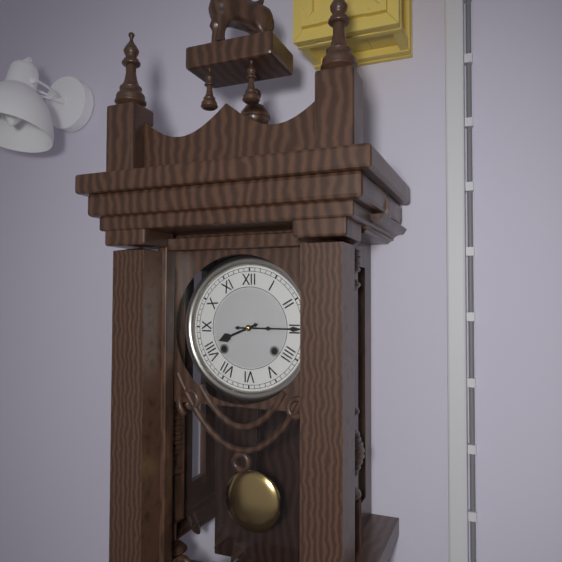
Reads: 8.15
